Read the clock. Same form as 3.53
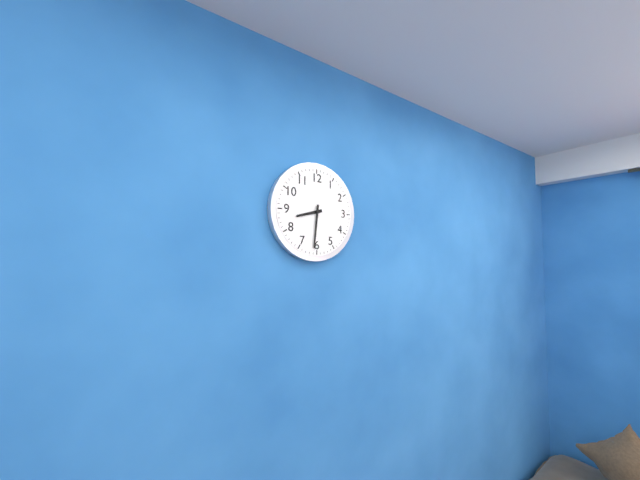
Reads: 8.31
